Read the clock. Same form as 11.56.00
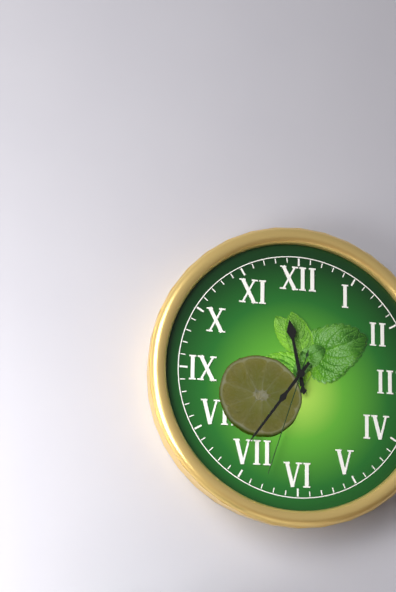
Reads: 11.36.33
